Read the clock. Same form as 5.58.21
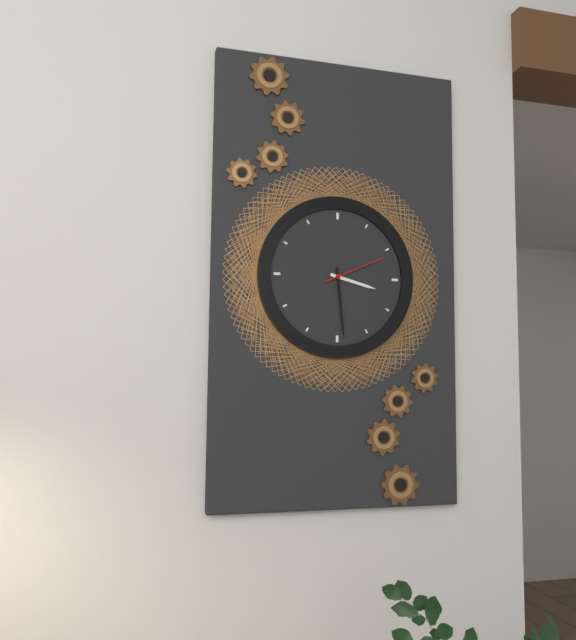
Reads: 3.29.11
